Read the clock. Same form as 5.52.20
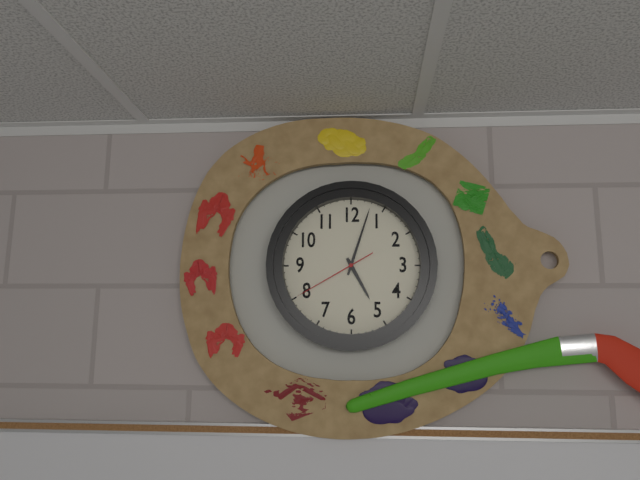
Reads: 5.03.40
